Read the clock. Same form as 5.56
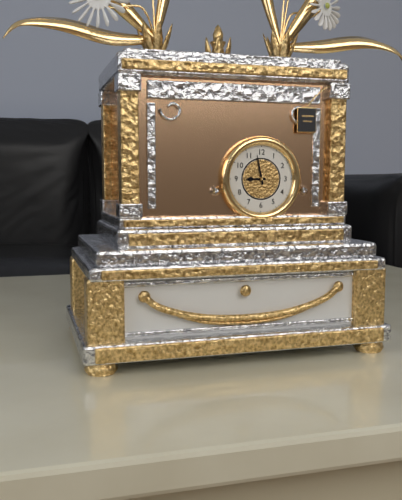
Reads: 8.58
